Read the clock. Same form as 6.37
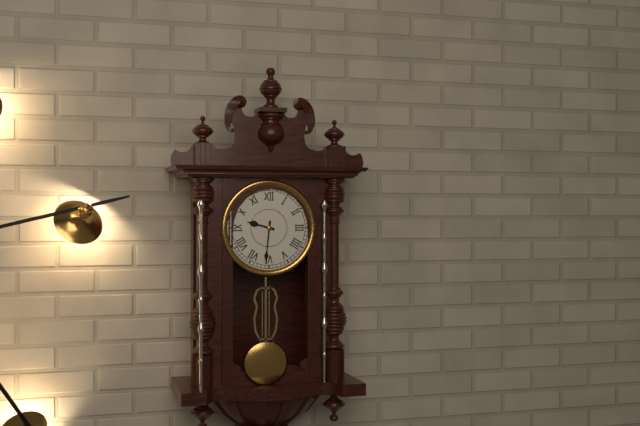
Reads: 9.31
